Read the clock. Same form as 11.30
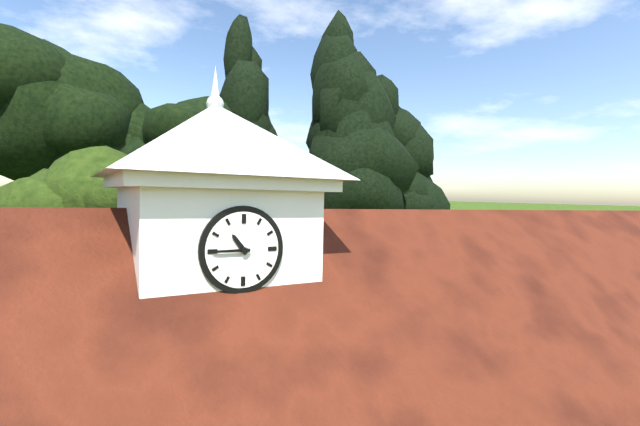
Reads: 10.45
